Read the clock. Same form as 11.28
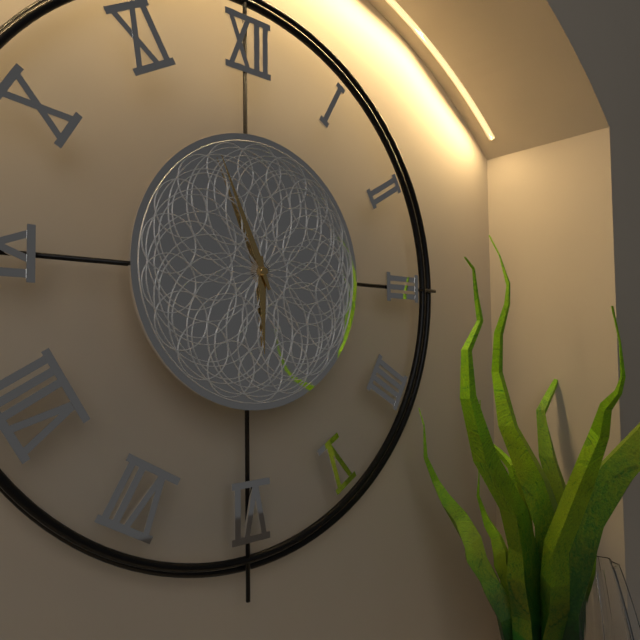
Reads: 5.56
